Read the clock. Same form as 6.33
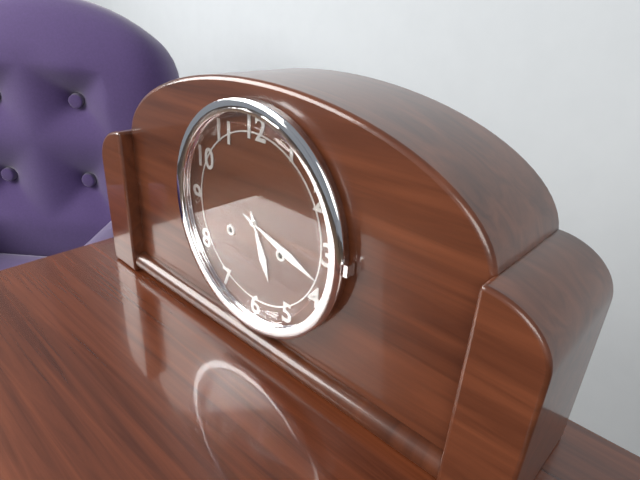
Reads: 5.18
